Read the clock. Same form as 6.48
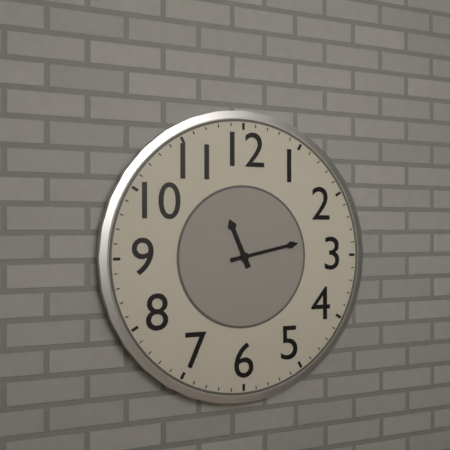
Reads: 11.13
